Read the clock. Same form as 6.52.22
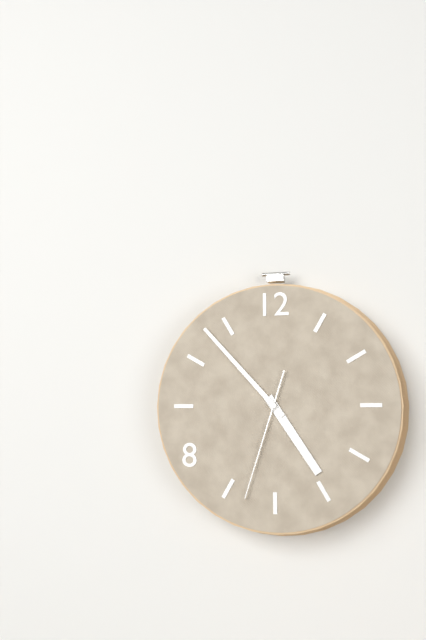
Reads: 4.53.33
